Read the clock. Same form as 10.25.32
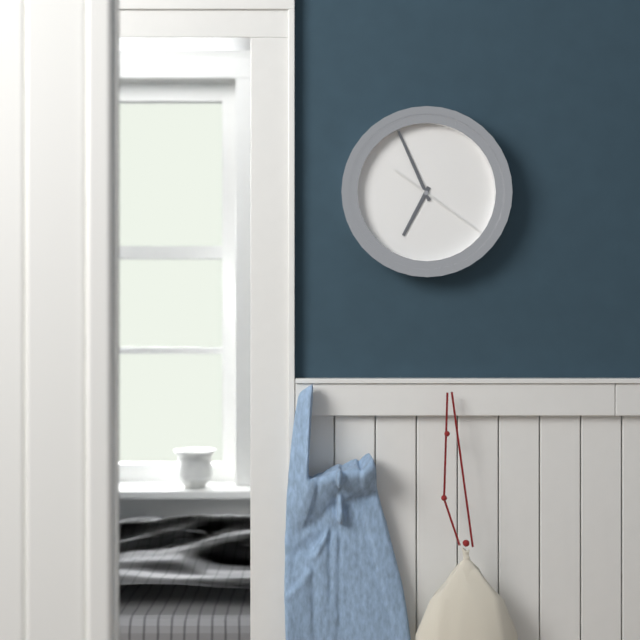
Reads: 6.56.21
